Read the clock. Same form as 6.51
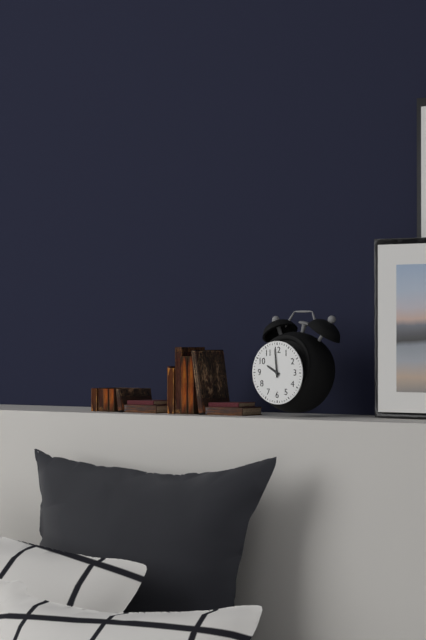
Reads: 9.59
